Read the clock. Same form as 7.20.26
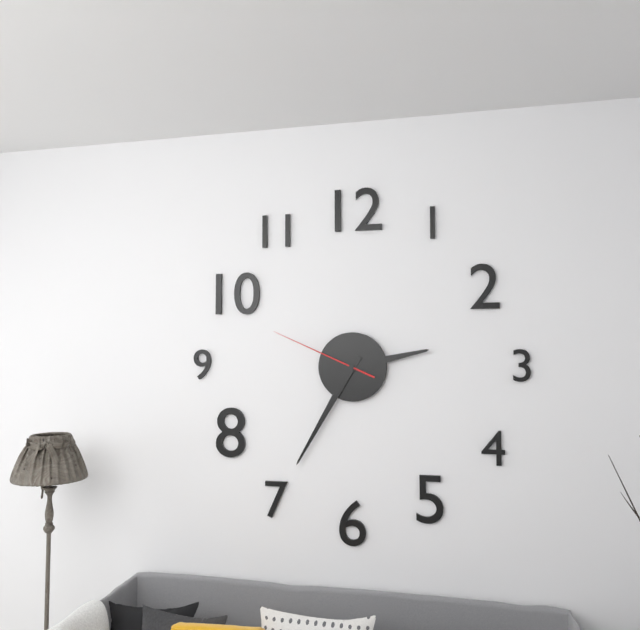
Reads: 2.35.49
